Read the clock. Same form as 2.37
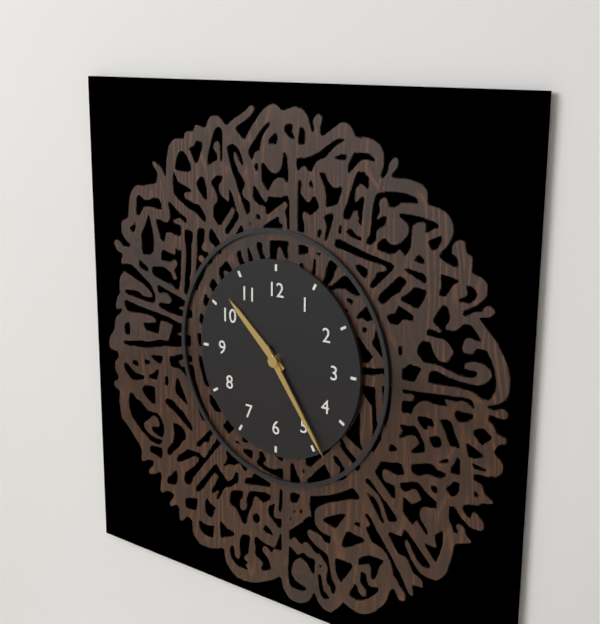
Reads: 10.24
